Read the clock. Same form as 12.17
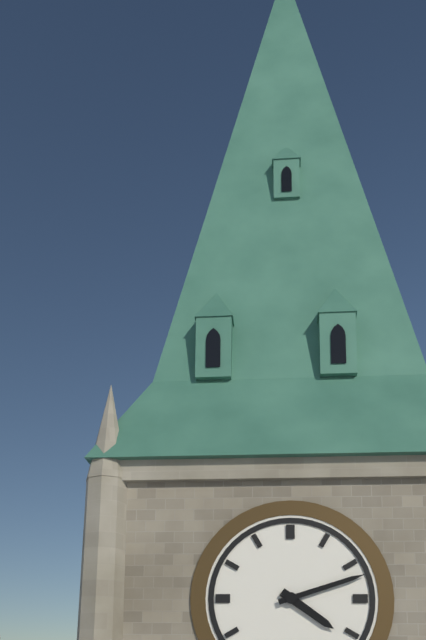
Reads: 4.12
